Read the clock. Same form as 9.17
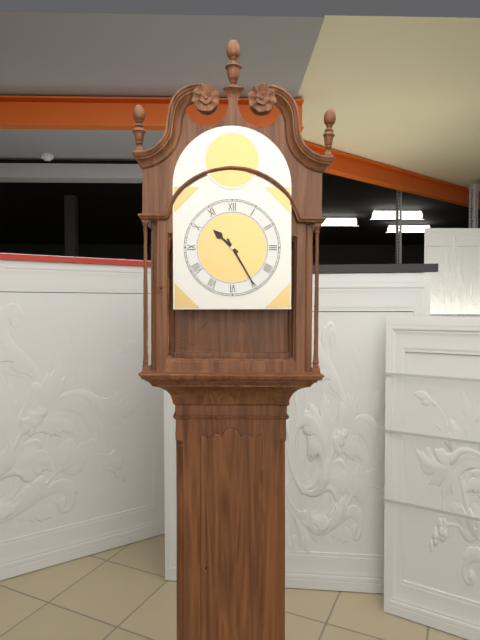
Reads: 10.25
